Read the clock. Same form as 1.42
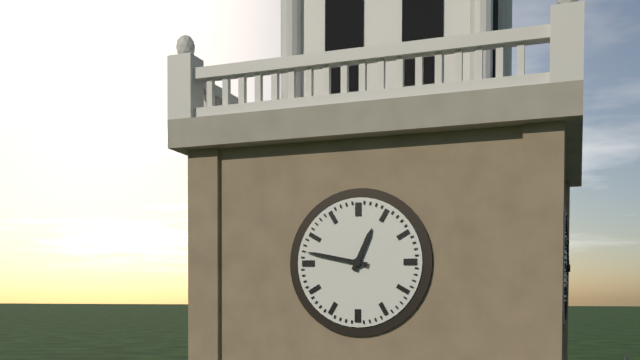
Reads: 12.47
